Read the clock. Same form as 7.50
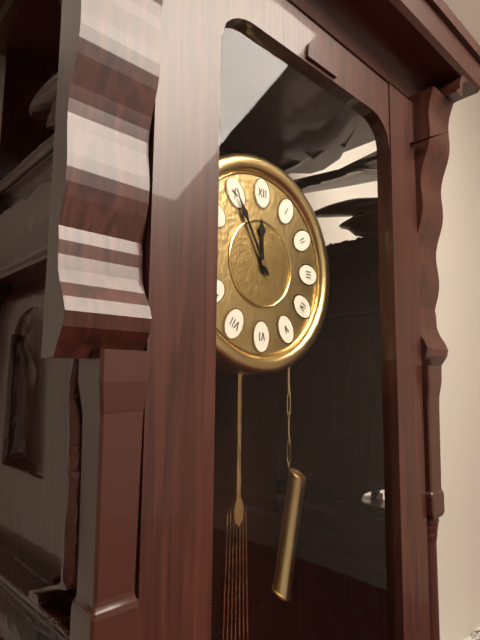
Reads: 11.55
